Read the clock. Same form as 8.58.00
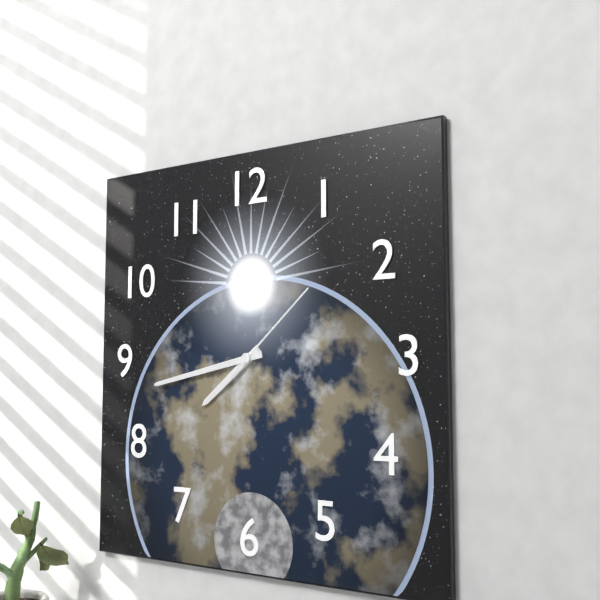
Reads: 7.43.08
